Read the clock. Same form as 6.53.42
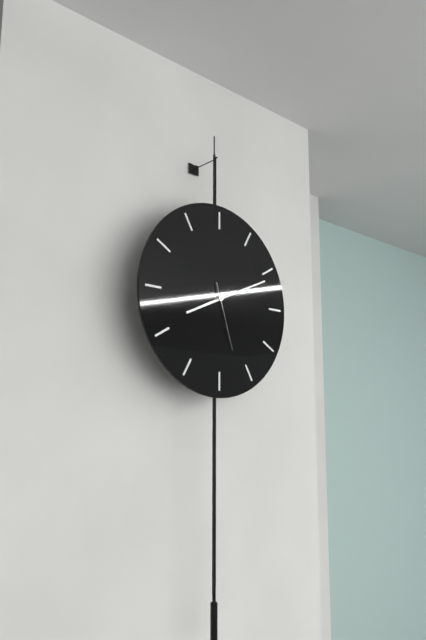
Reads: 8.11.27
